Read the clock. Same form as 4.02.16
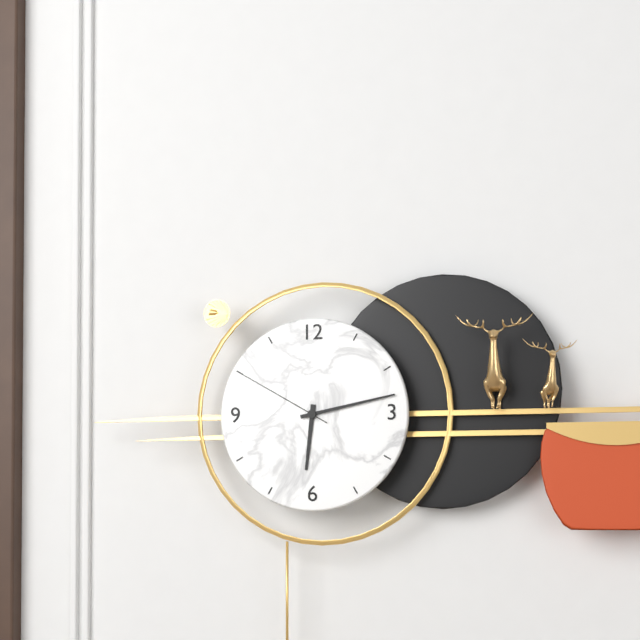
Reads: 6.13.50
